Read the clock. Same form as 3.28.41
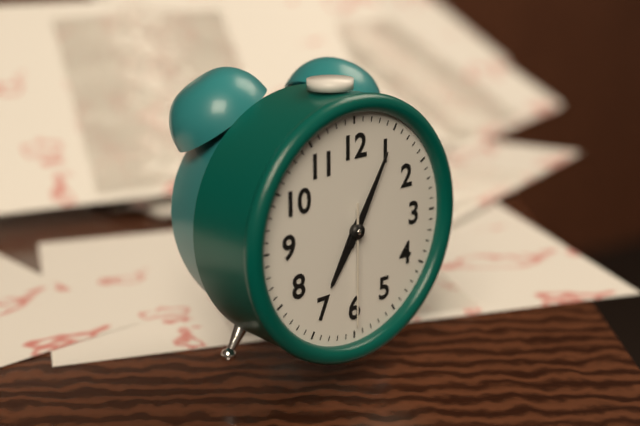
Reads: 7.05.30
